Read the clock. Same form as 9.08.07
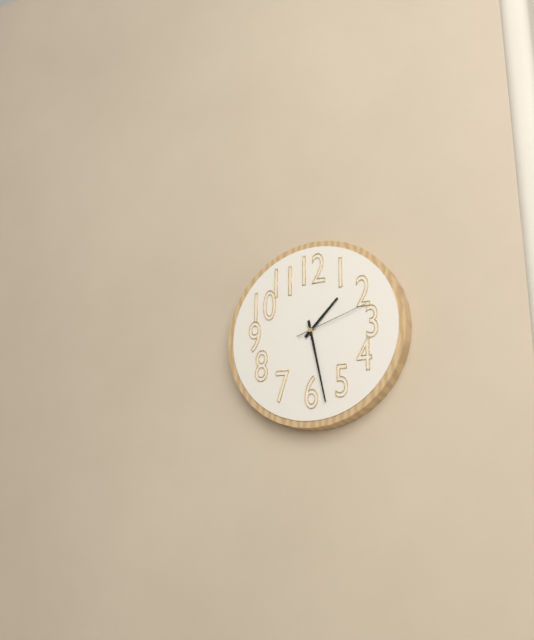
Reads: 1.28.12
